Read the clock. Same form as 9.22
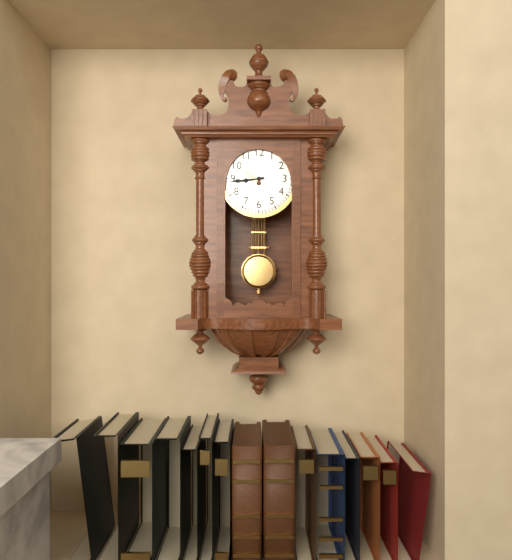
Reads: 8.44
